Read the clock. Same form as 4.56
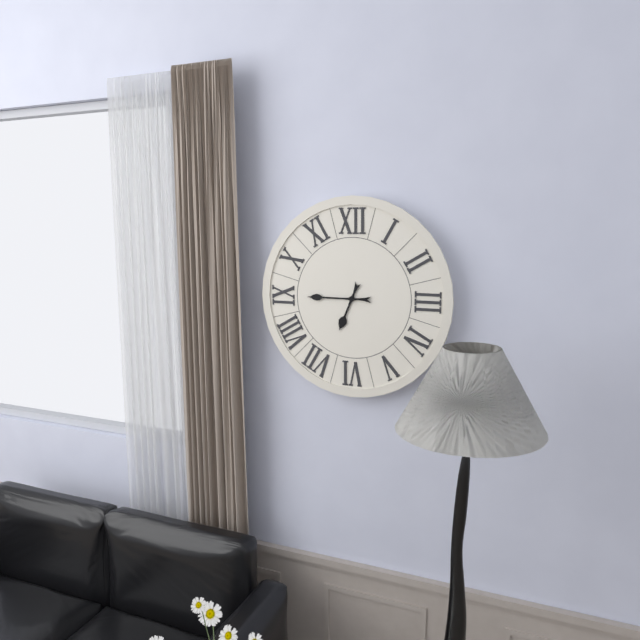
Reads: 6.45
